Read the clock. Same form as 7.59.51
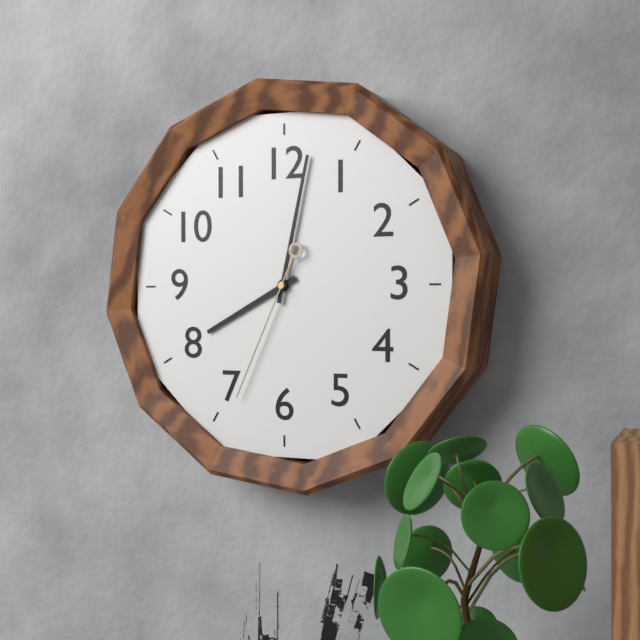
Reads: 8.02.34
